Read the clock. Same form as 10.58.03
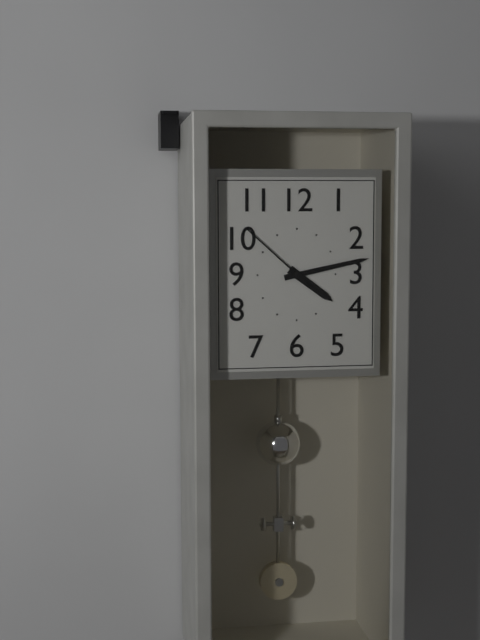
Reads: 4.13.52
